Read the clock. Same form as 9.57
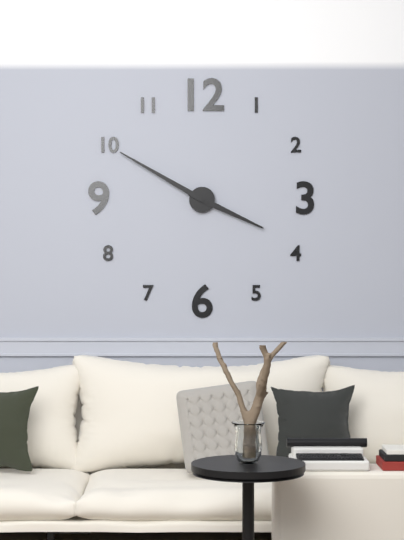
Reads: 3.50
